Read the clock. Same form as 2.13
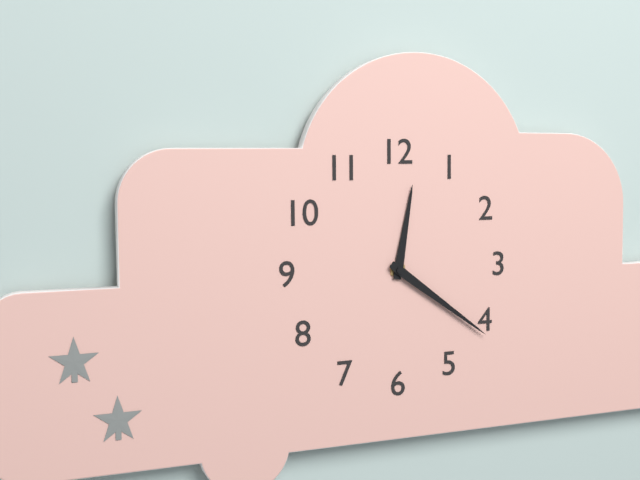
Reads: 12.21
